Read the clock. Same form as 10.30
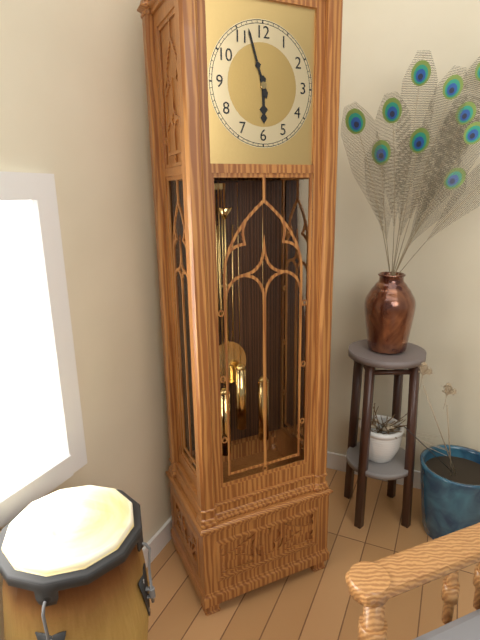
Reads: 5.57
